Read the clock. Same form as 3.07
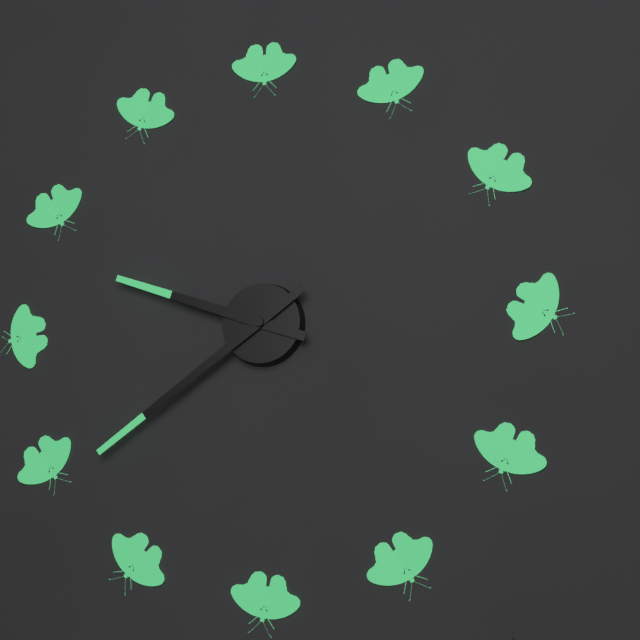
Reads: 9.39
